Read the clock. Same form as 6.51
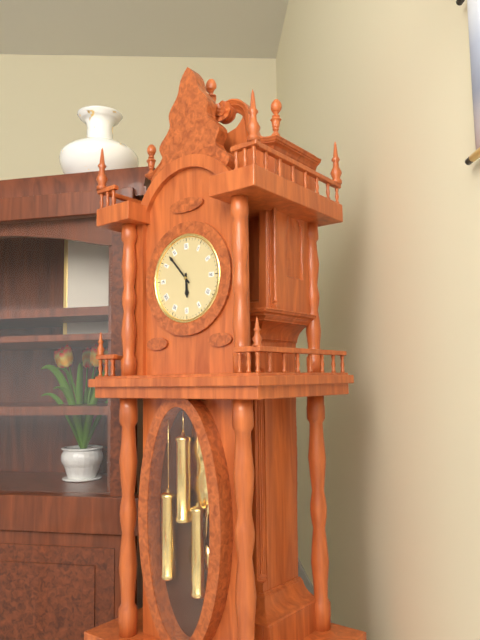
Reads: 5.53
